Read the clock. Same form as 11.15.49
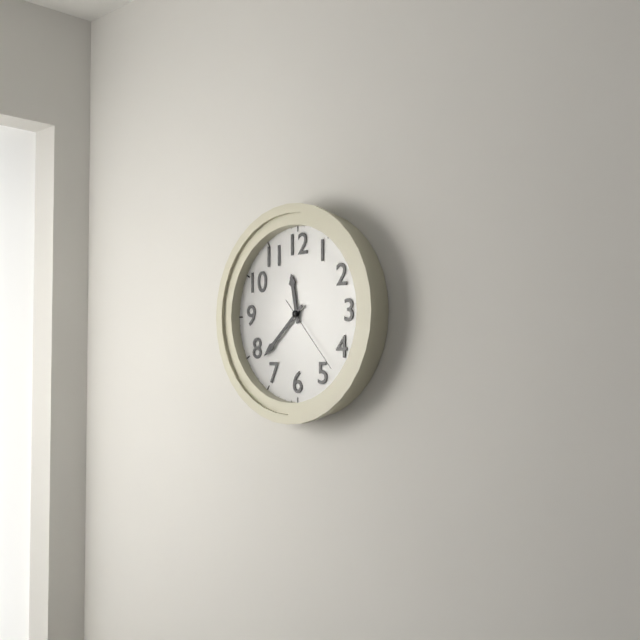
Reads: 11.38.23
